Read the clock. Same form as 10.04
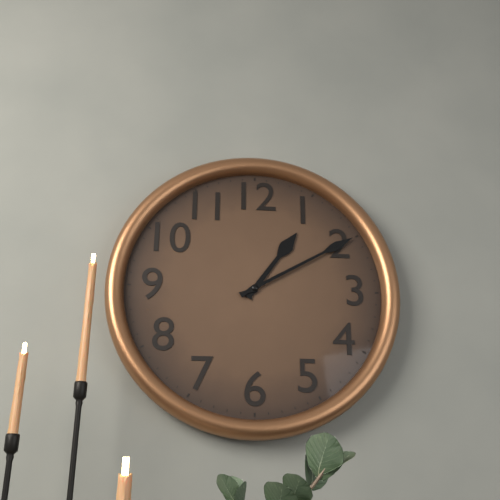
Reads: 1.10
